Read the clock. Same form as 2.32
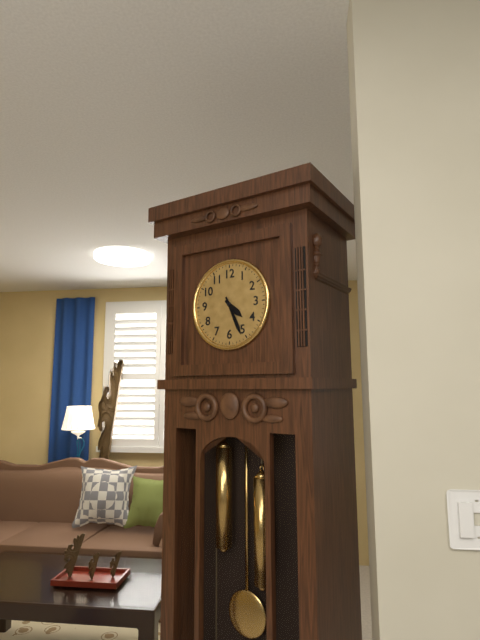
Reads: 4.26
